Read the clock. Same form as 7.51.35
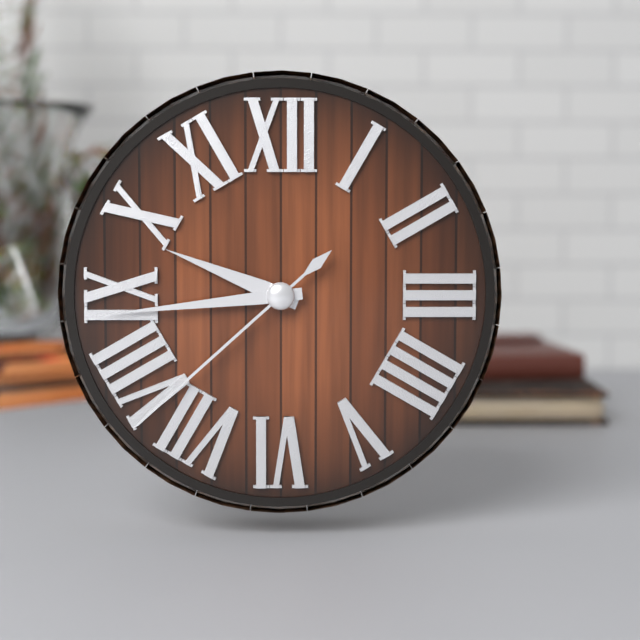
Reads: 9.44.38
